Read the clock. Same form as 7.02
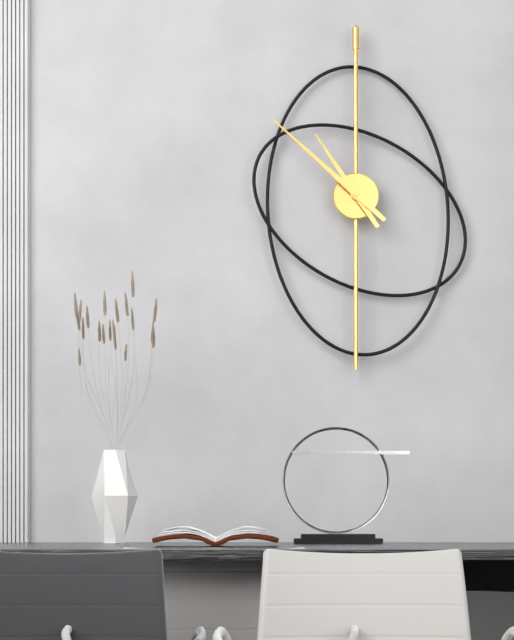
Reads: 10.52
